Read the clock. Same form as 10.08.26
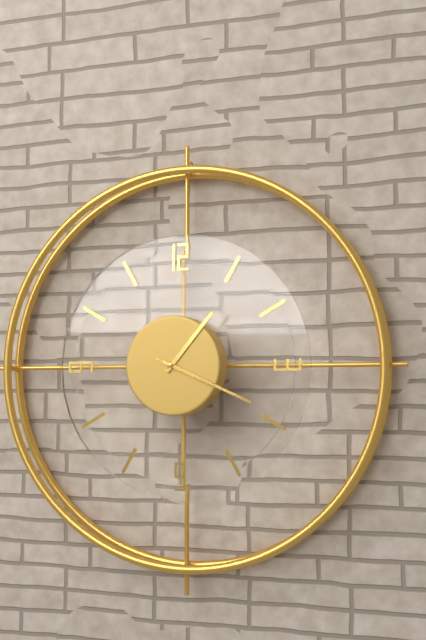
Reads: 1.19.19
